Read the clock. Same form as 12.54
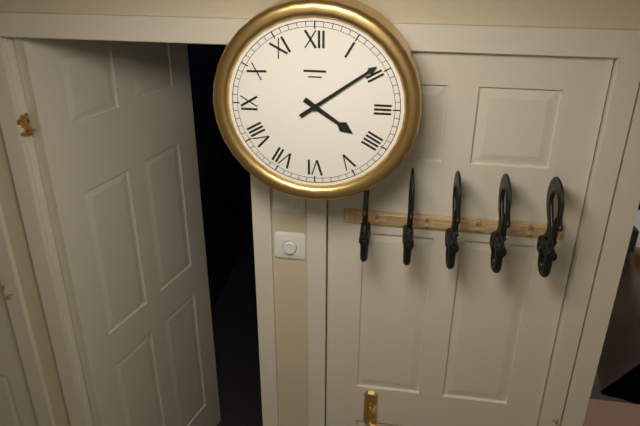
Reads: 4.09
